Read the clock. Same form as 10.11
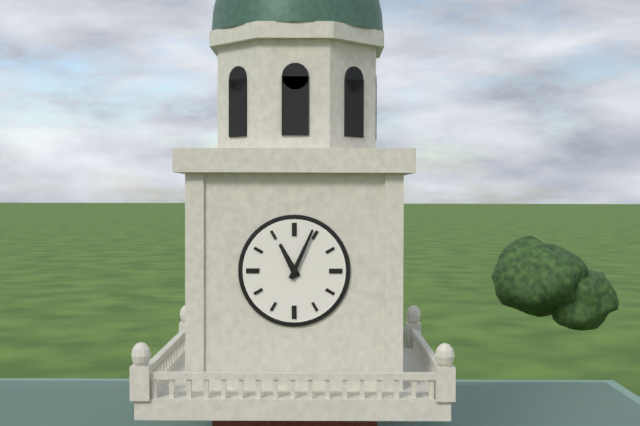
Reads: 11.04
